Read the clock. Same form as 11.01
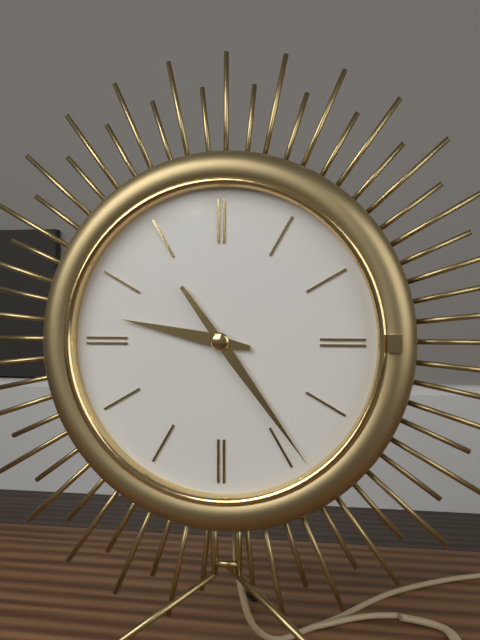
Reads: 9.24
